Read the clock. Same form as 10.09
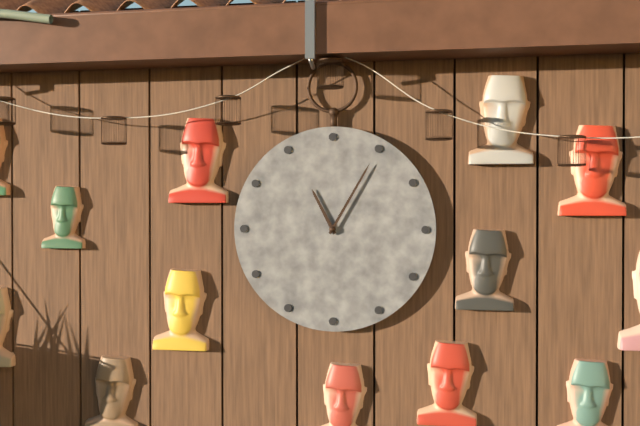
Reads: 11.05
